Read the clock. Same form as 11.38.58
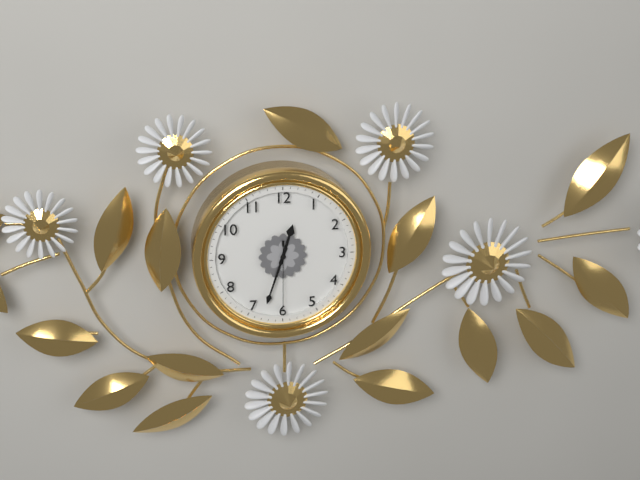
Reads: 12.33.30
